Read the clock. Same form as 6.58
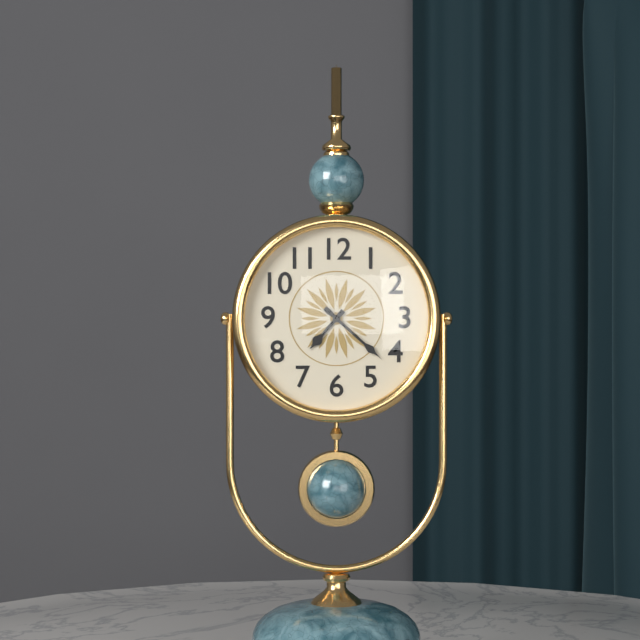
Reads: 7.22
